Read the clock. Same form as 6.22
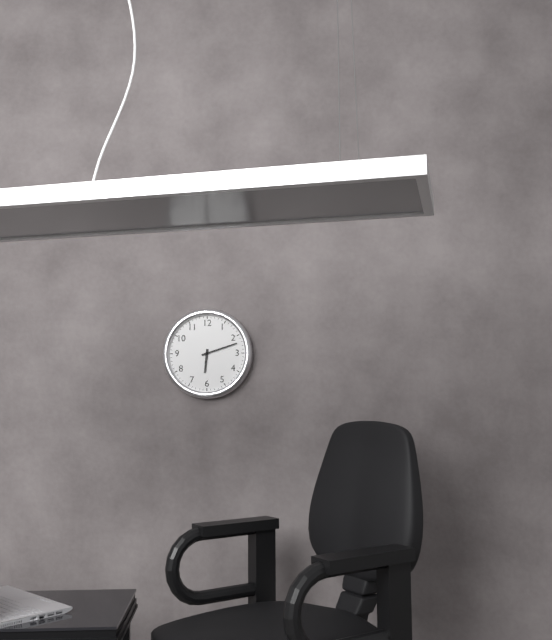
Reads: 6.12
